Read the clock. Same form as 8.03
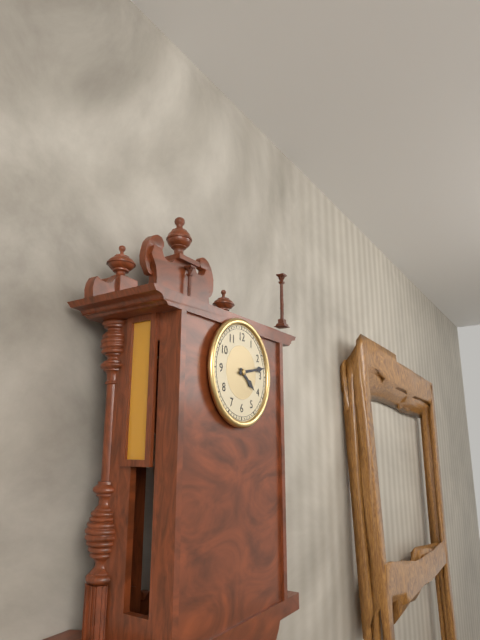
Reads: 4.13
